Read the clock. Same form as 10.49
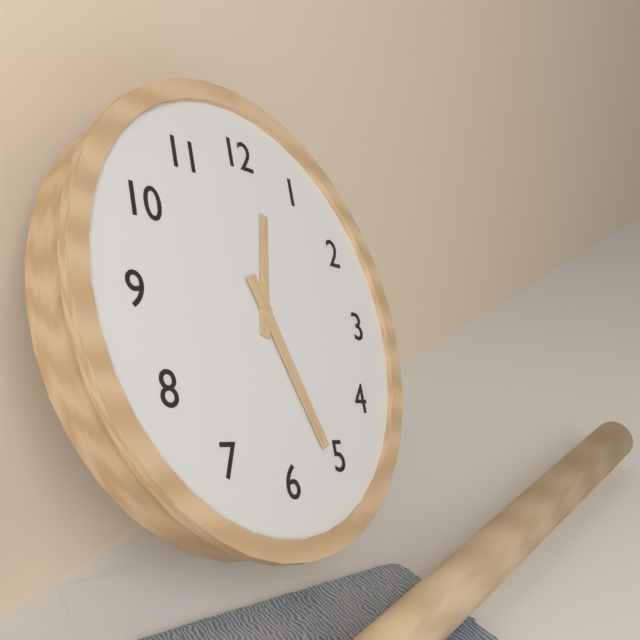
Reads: 12.26
